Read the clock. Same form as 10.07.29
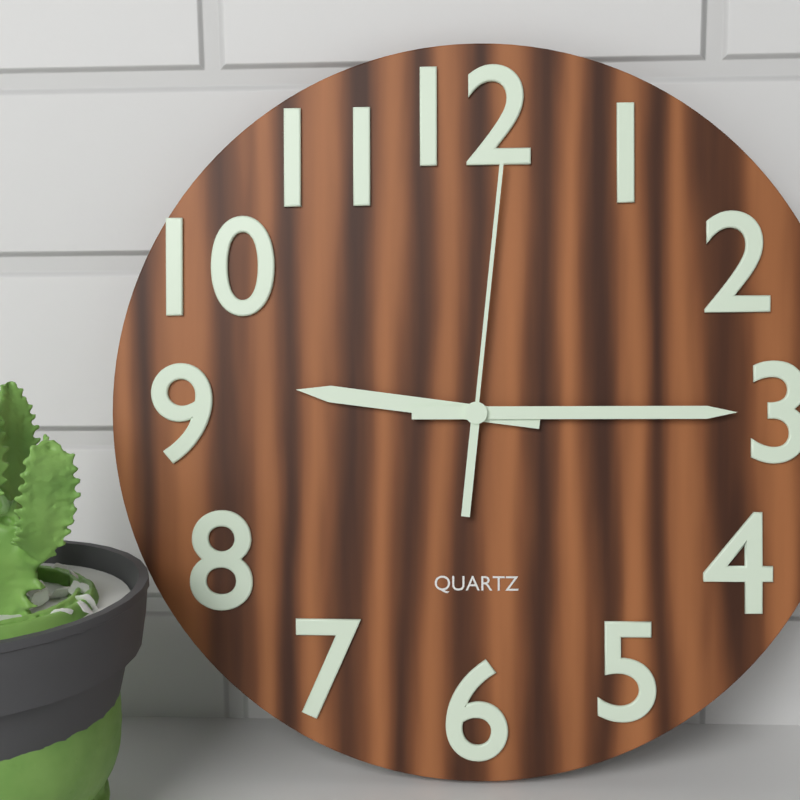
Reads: 9.15.01
